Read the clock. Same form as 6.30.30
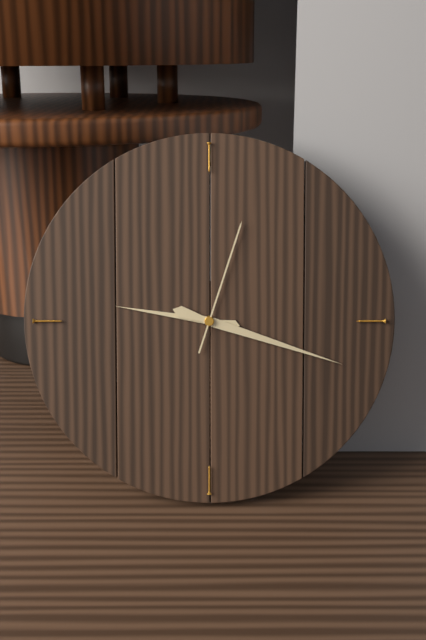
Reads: 9.18.03
